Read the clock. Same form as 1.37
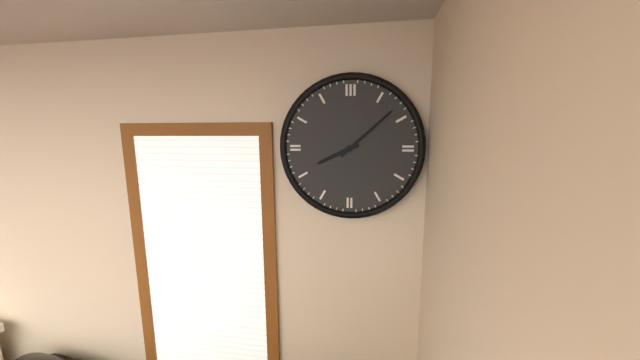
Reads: 8.08
